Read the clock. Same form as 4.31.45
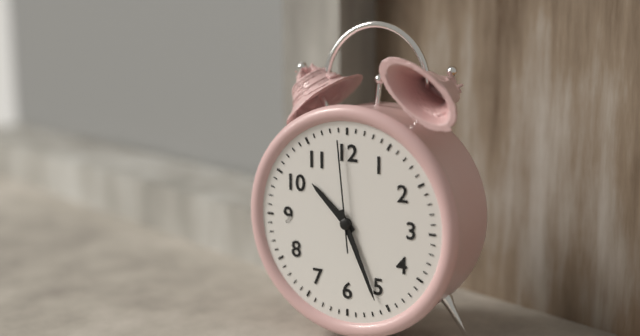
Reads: 10.26.59
